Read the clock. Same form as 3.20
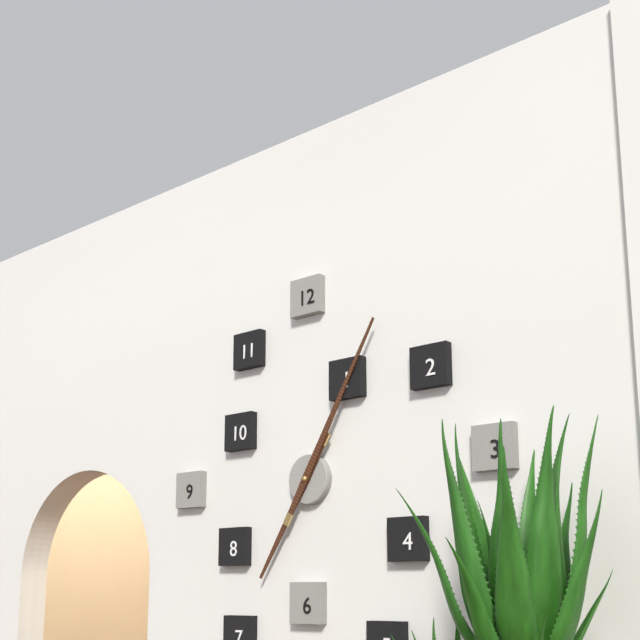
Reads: 7.05
